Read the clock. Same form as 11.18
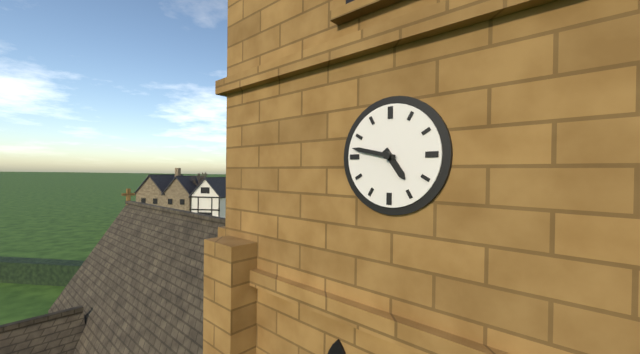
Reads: 4.47
